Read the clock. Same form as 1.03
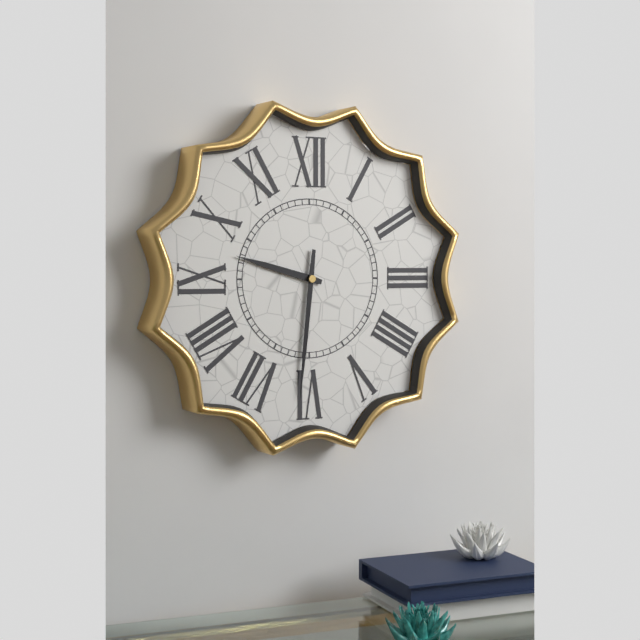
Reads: 9.31
